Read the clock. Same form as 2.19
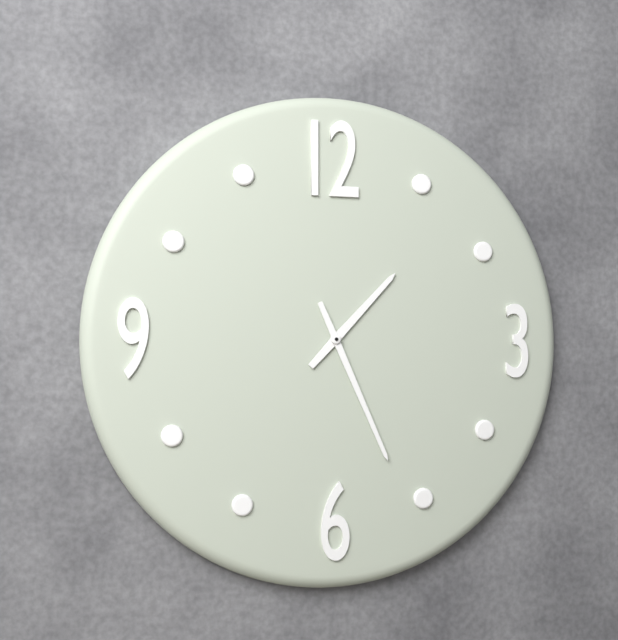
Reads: 1.26
